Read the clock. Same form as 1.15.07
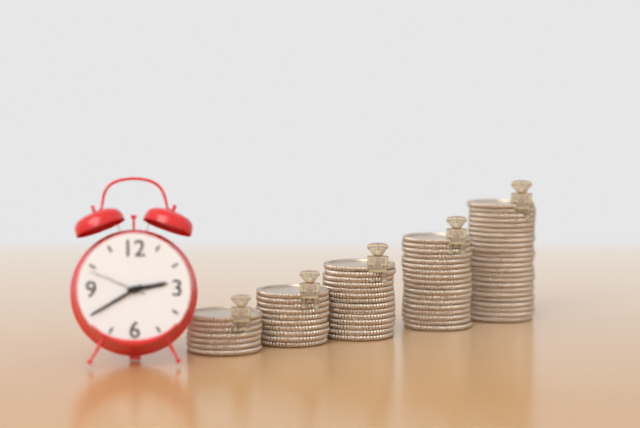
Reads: 2.40.49
